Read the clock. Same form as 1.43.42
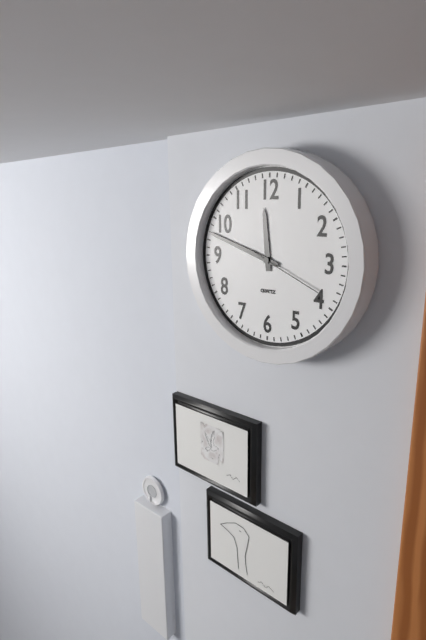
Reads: 11.48.19
